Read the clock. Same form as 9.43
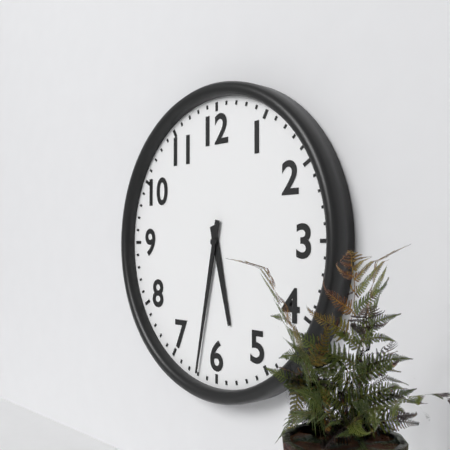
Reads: 5.32
